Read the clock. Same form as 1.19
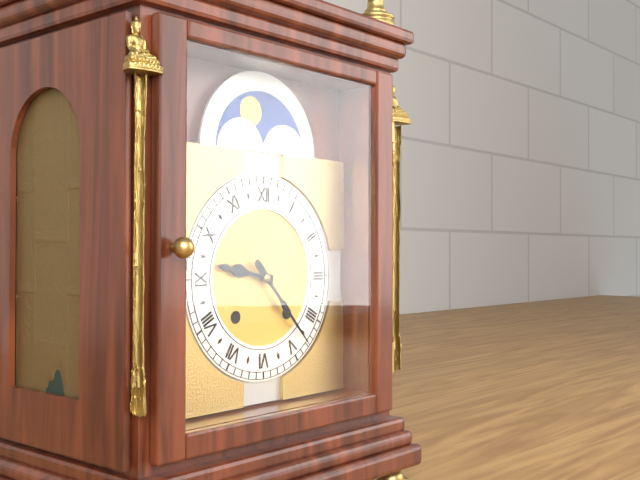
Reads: 9.23
